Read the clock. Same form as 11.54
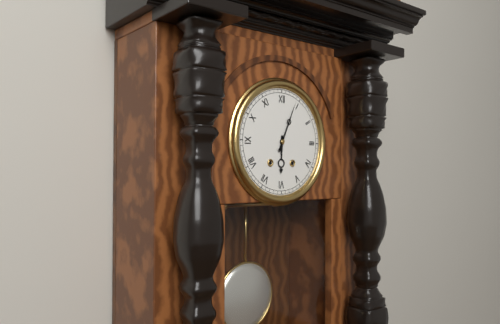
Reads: 6.04
